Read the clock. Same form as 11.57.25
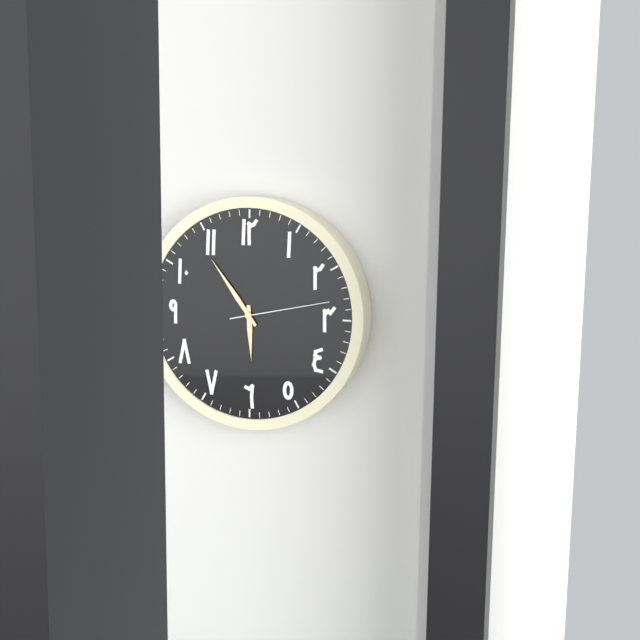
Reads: 5.54.13
